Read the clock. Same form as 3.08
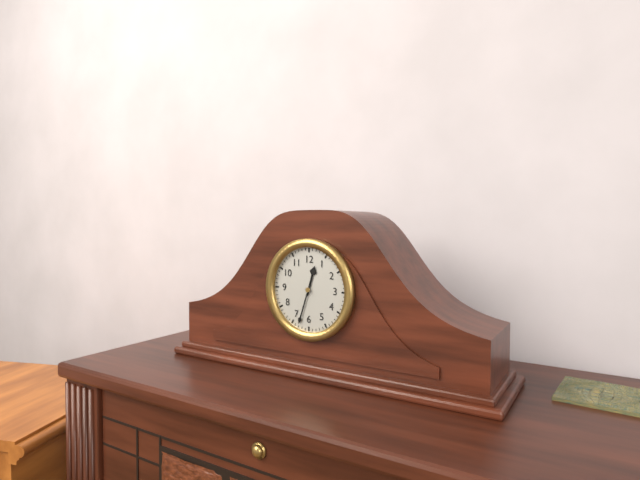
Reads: 12.33
